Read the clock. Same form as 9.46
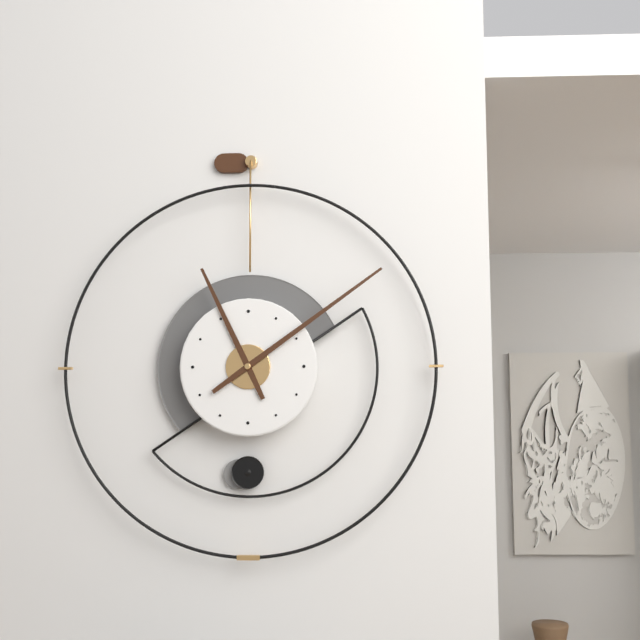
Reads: 11.09
